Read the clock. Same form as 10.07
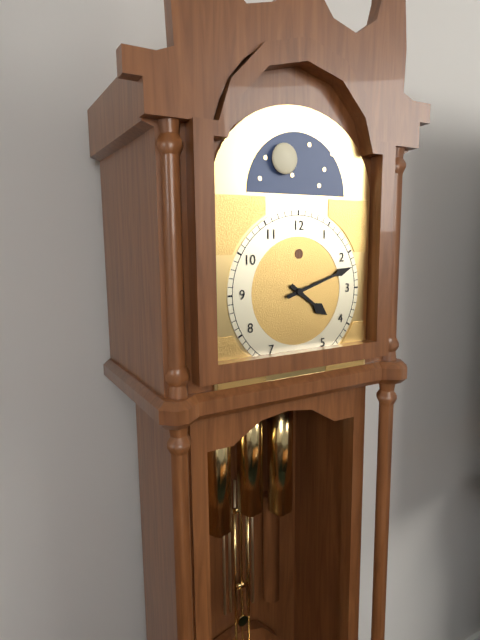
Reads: 4.12
